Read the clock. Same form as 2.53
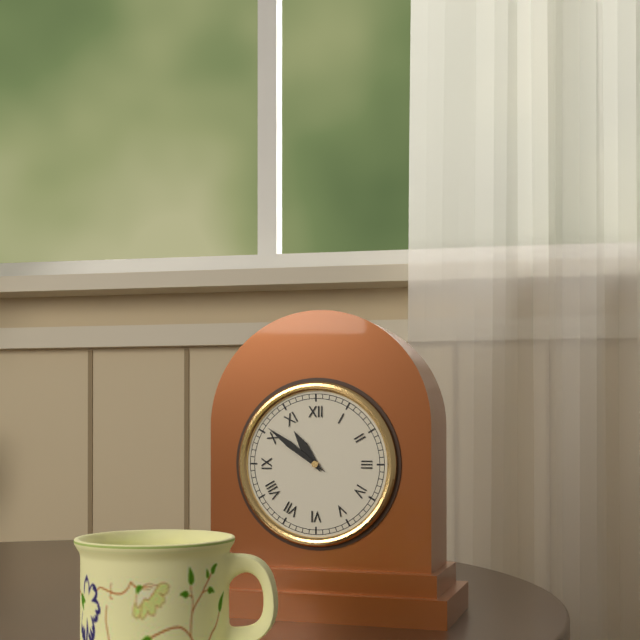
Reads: 10.51
